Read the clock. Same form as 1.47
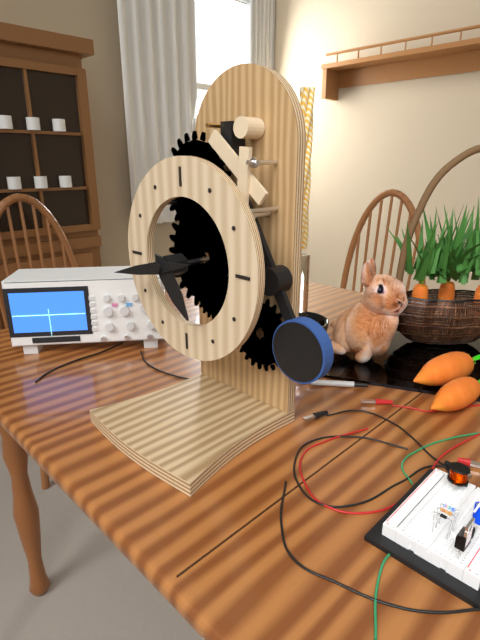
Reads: 4.43
